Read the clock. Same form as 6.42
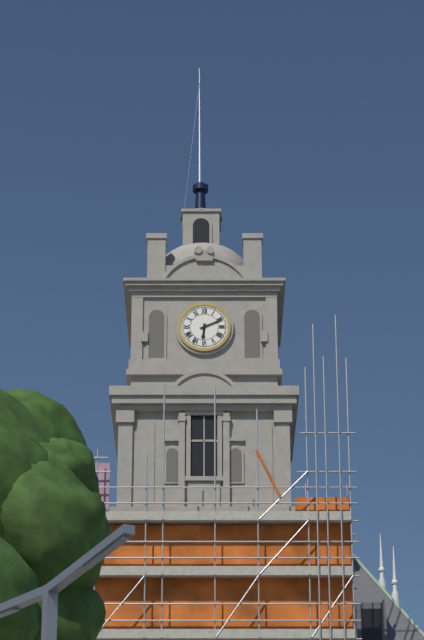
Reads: 6.11
